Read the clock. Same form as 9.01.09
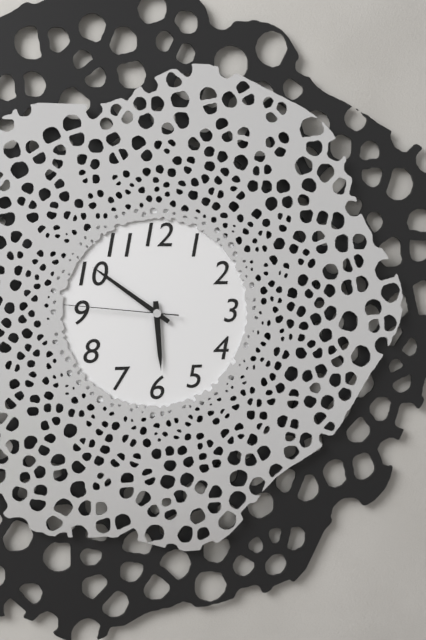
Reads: 5.51.46
